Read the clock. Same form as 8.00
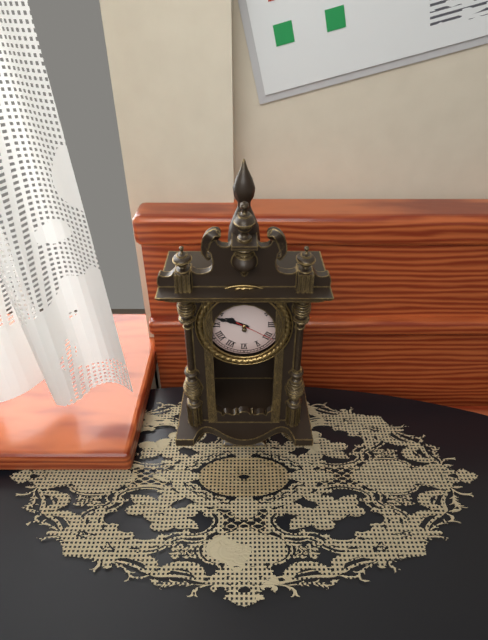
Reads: 9.48
